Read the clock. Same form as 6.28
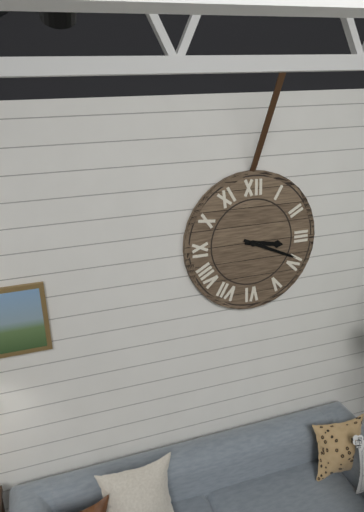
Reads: 3.19
